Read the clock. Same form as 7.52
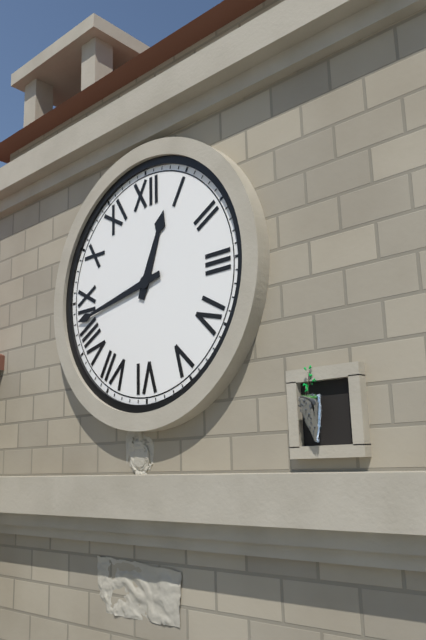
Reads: 12.43
